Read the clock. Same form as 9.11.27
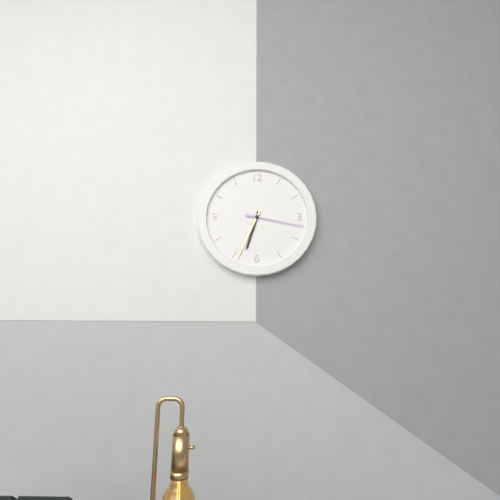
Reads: 6.34.17
